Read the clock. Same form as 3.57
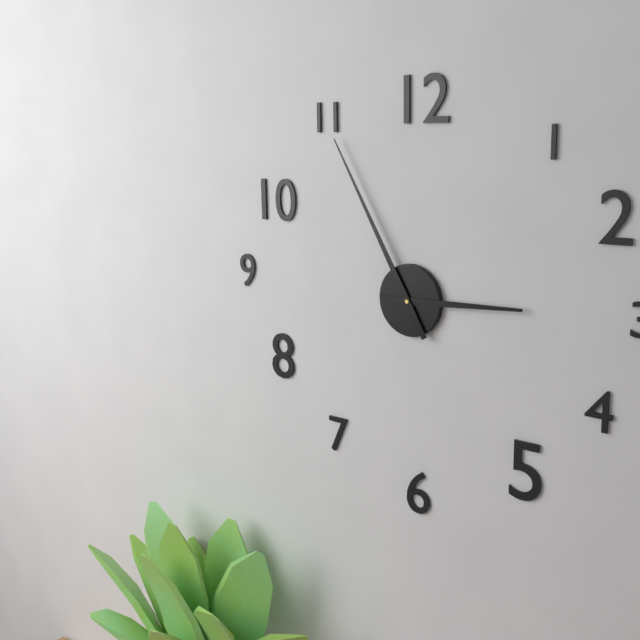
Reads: 2.55
